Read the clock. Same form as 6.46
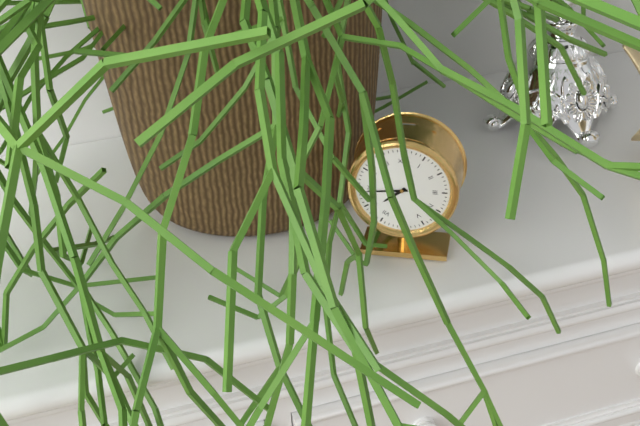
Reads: 7.44
